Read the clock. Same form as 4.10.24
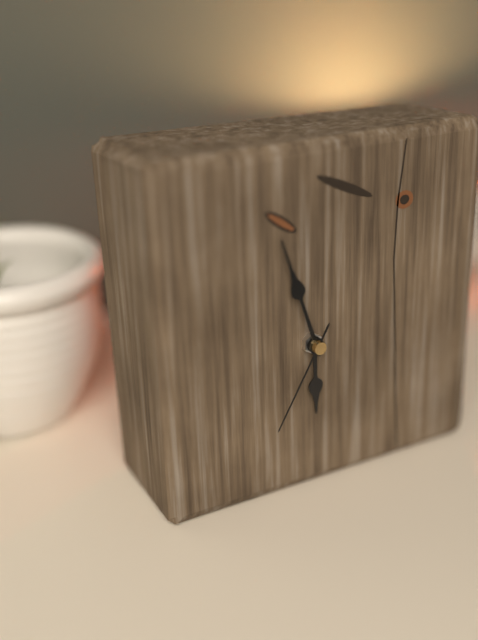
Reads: 5.57.35
